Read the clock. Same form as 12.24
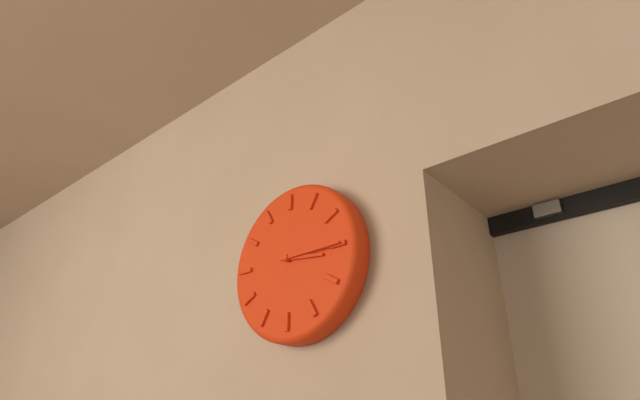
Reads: 3.15
